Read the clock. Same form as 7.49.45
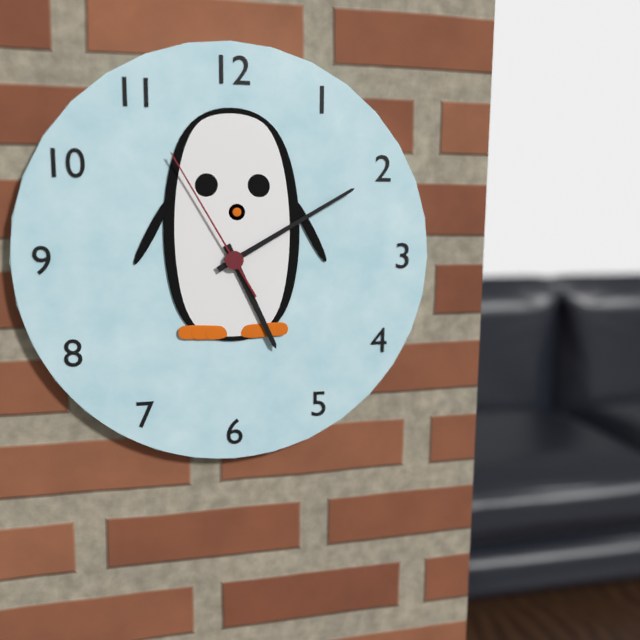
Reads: 5.10.55
